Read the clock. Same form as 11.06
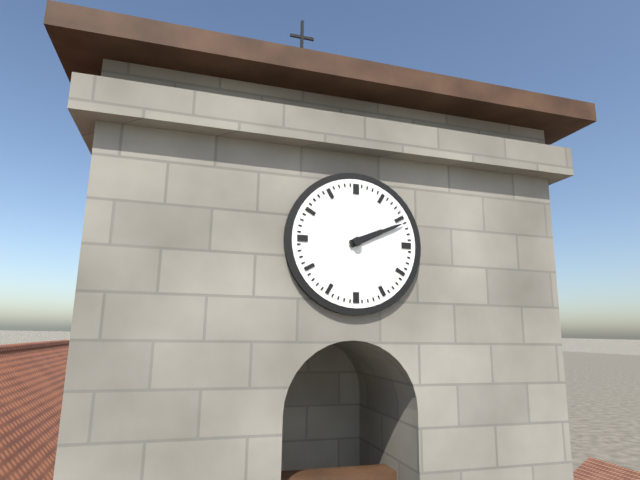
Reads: 2.11
